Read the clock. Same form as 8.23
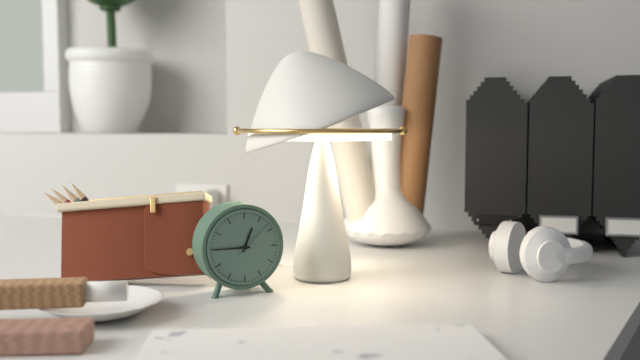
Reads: 12.45
